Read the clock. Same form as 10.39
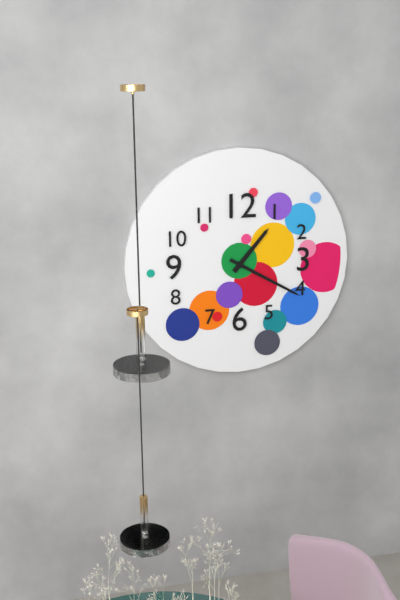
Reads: 1.20
